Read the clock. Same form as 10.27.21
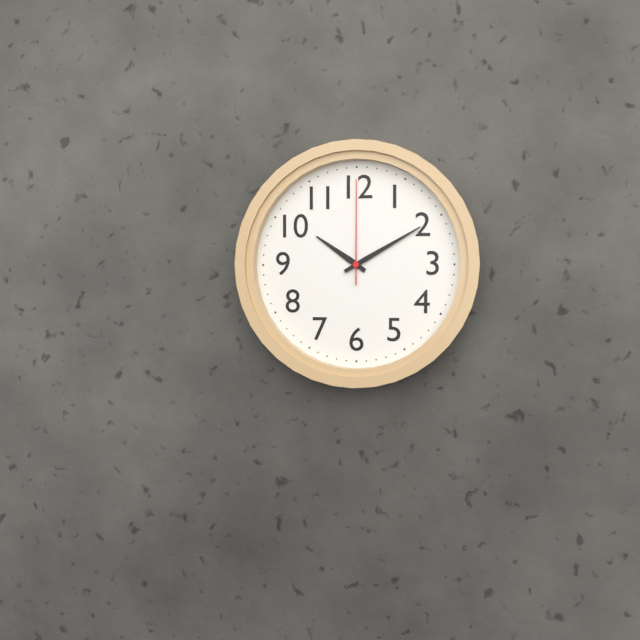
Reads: 10.10.00
